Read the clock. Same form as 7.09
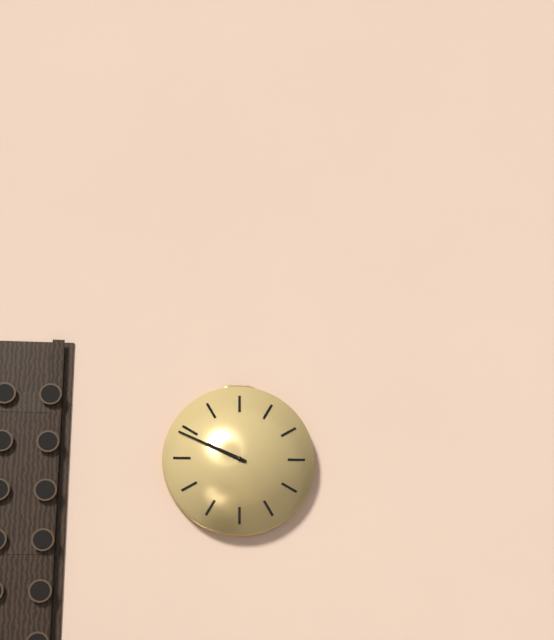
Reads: 9.49
